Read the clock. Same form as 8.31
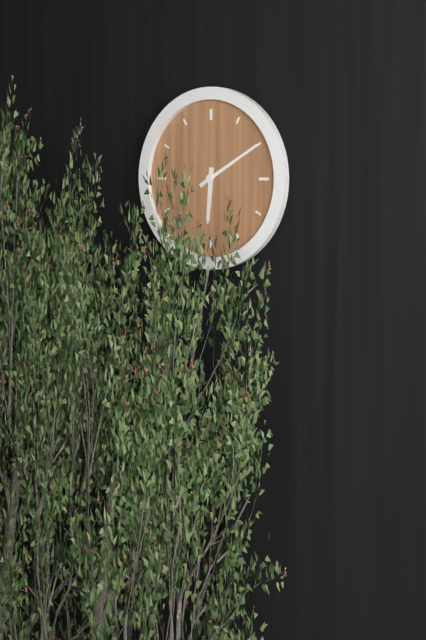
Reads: 6.10
